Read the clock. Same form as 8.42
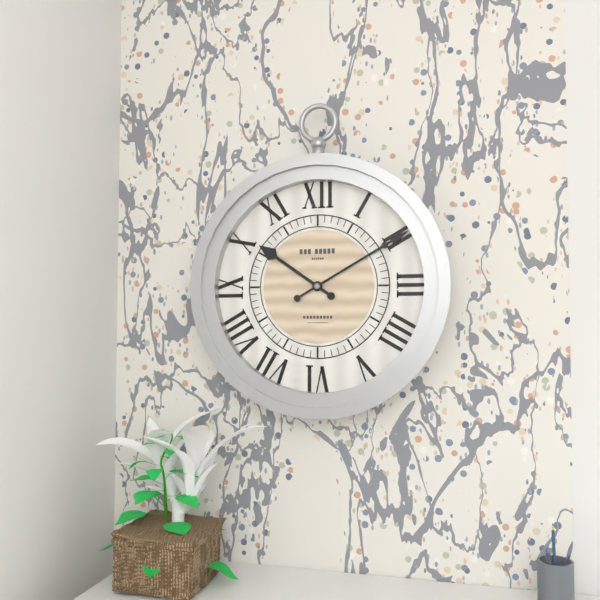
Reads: 10.10
